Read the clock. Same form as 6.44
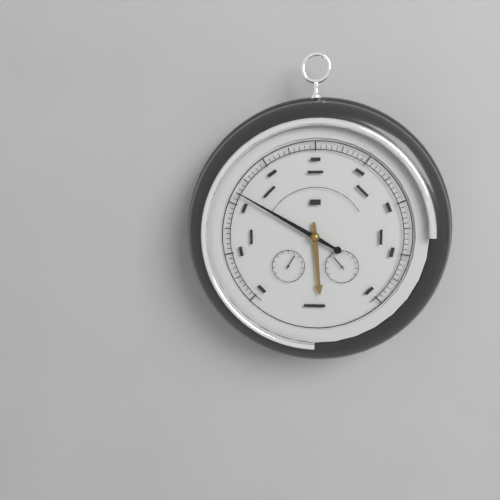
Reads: 5.50
